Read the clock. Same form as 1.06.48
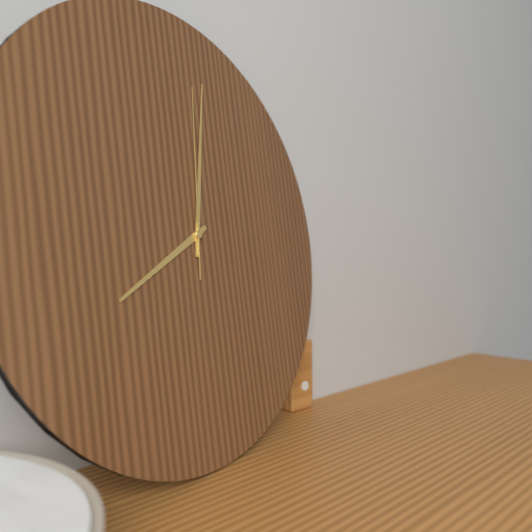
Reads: 8.02.01
